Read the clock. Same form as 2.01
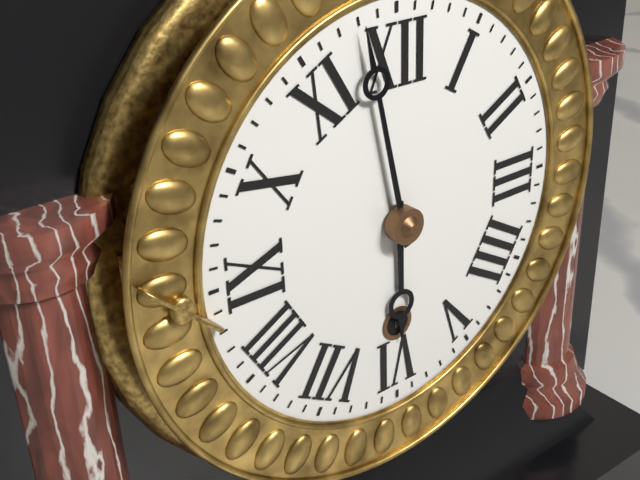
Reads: 5.58
